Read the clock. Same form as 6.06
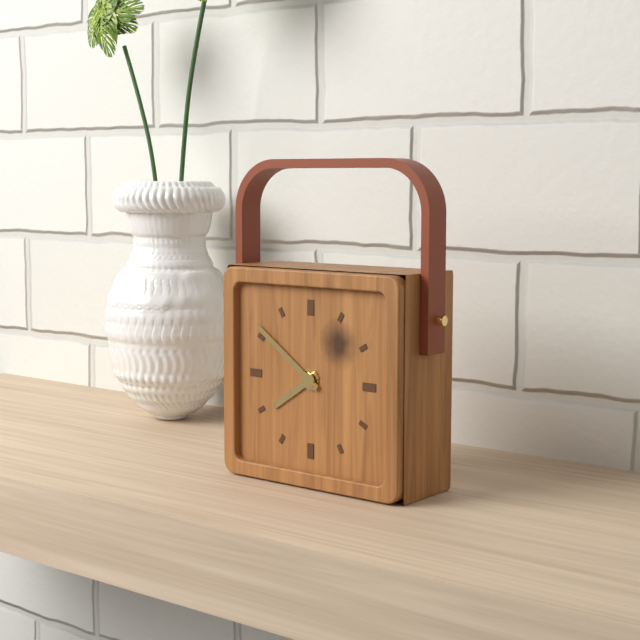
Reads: 7.51
